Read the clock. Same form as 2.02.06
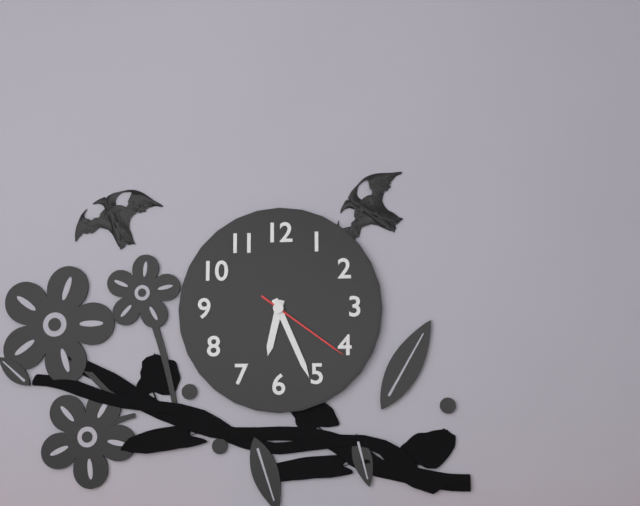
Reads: 6.26.21
